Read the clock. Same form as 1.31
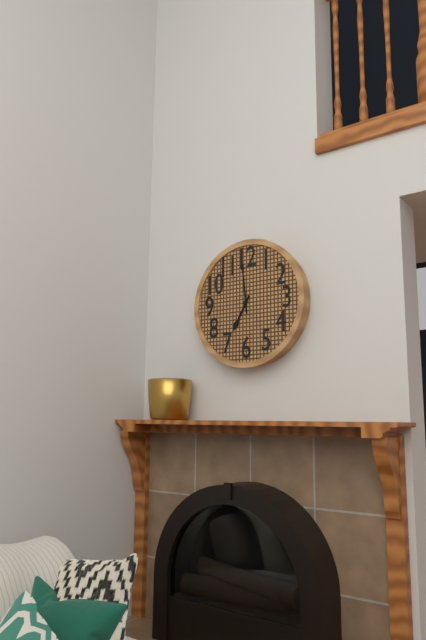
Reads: 6.59
